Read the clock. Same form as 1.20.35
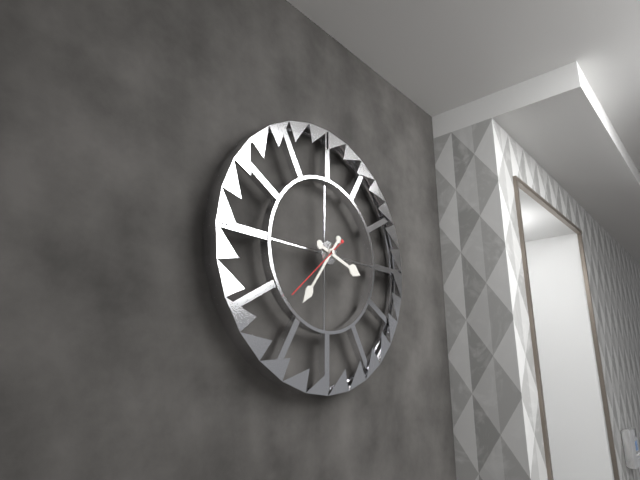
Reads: 3.36.38
